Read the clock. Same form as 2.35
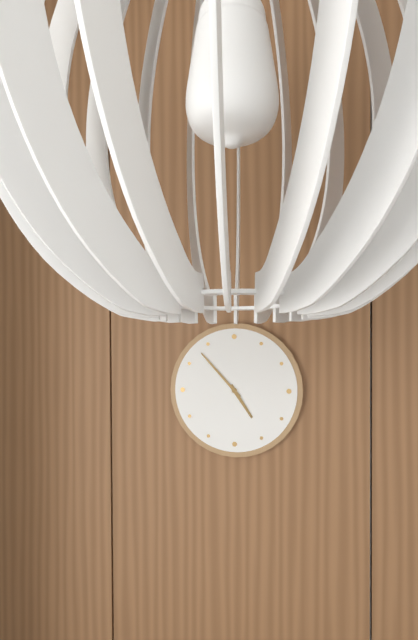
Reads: 4.53
